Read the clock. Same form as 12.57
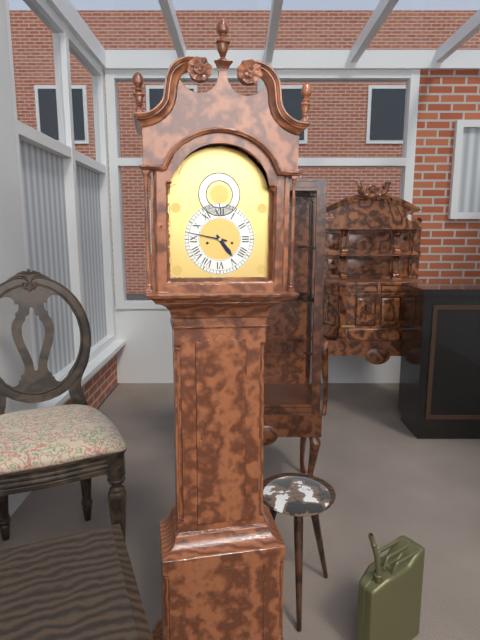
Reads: 4.47
